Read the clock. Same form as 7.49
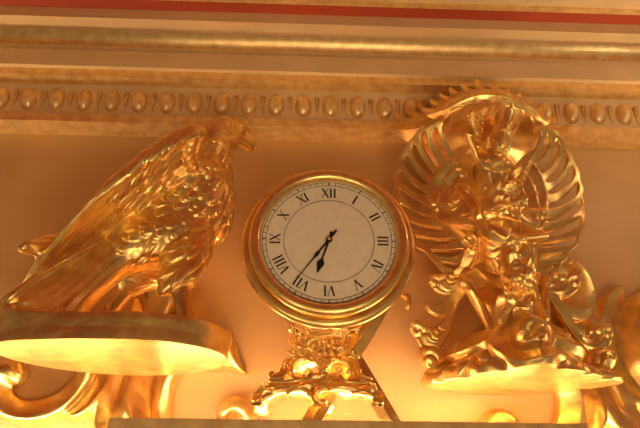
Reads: 6.36
